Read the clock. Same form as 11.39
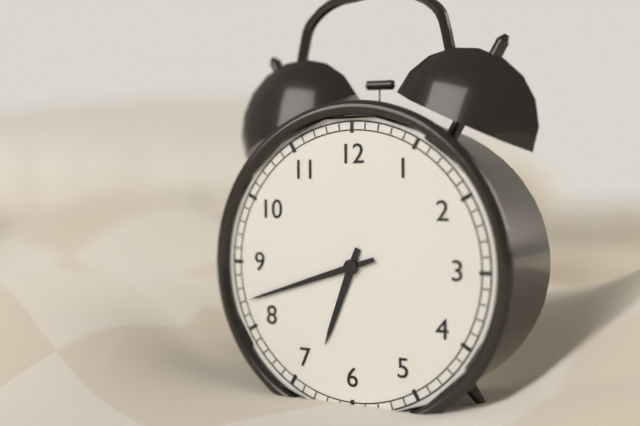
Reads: 6.42
